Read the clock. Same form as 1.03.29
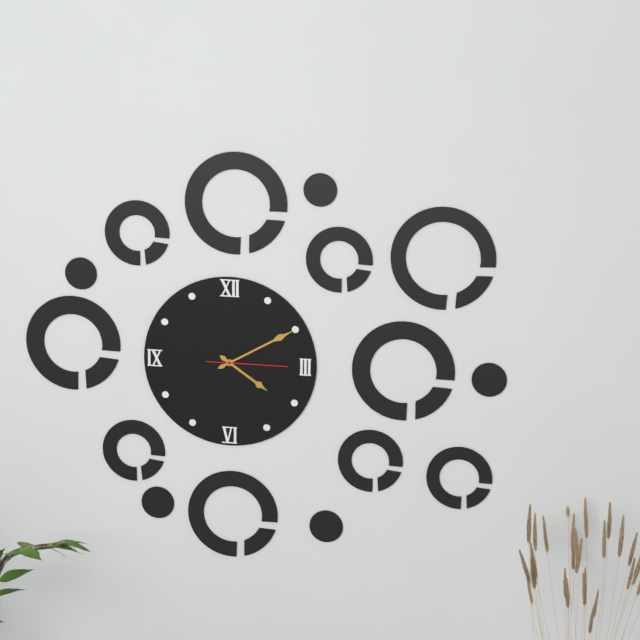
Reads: 4.10.15
